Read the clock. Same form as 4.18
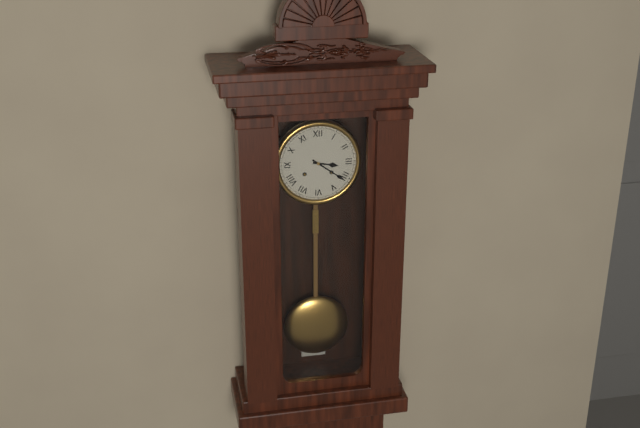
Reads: 3.21
